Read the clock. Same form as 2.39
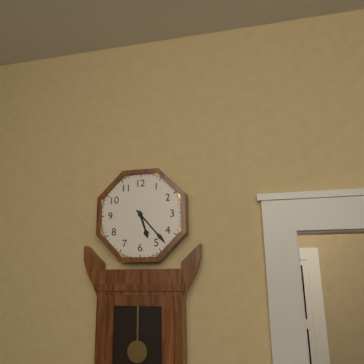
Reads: 5.23
